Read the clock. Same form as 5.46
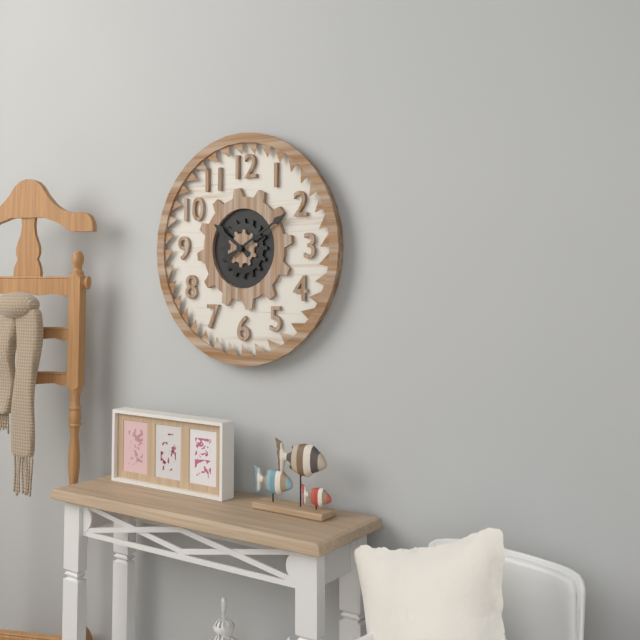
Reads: 10.10
